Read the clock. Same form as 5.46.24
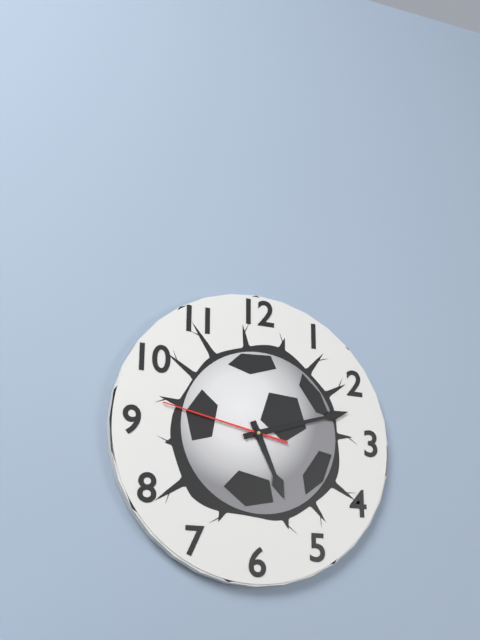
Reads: 5.12.47
